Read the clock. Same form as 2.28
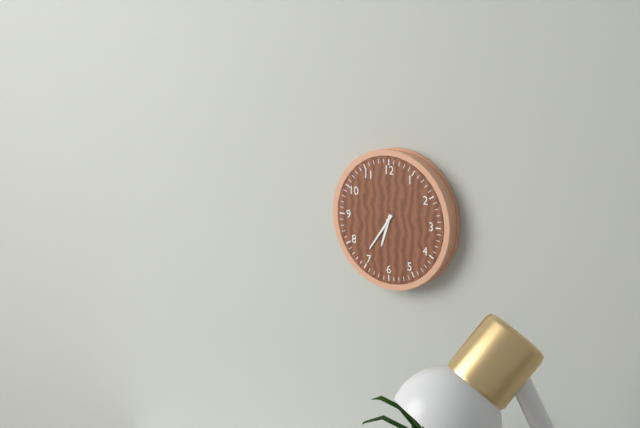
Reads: 6.36
